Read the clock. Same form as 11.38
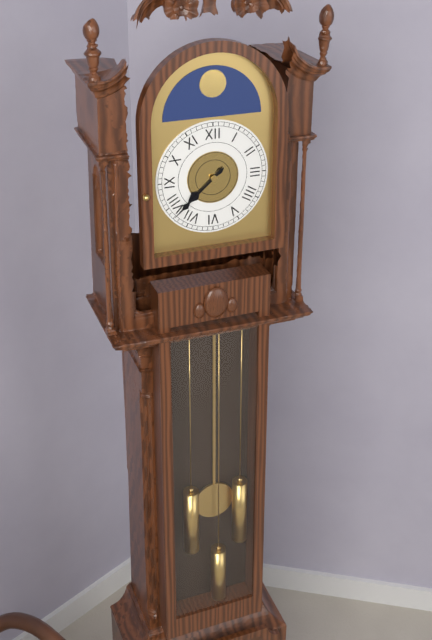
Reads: 7.38
